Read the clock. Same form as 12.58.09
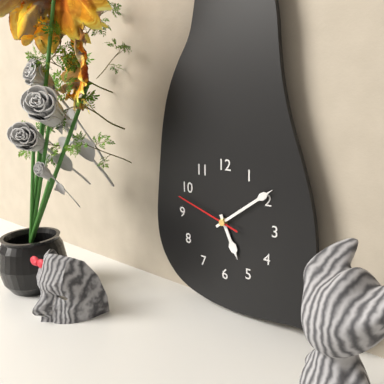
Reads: 5.09.48
